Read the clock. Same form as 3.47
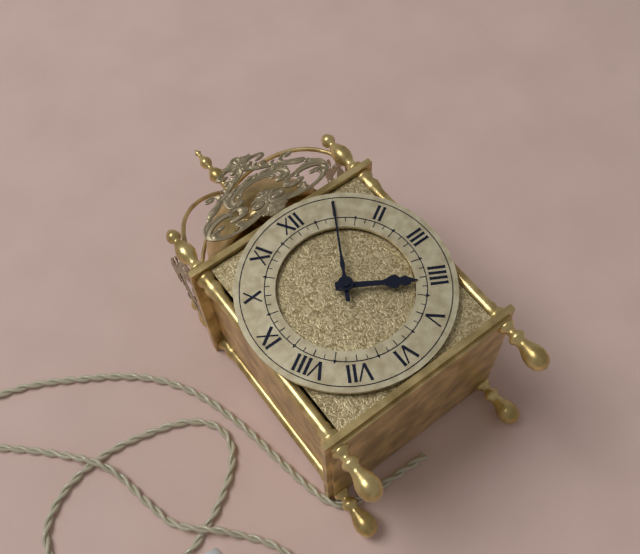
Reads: 4.05
